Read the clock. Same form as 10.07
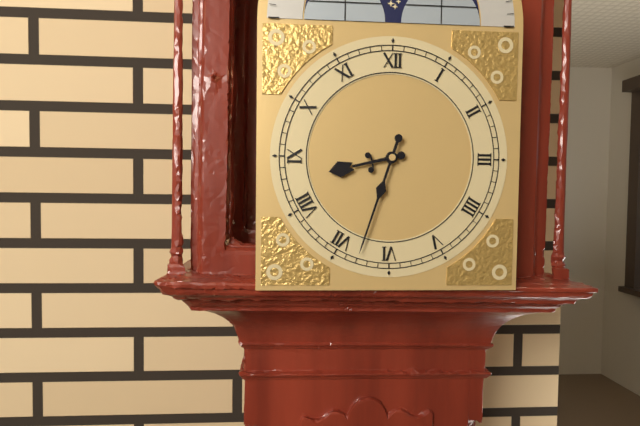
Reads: 8.33
